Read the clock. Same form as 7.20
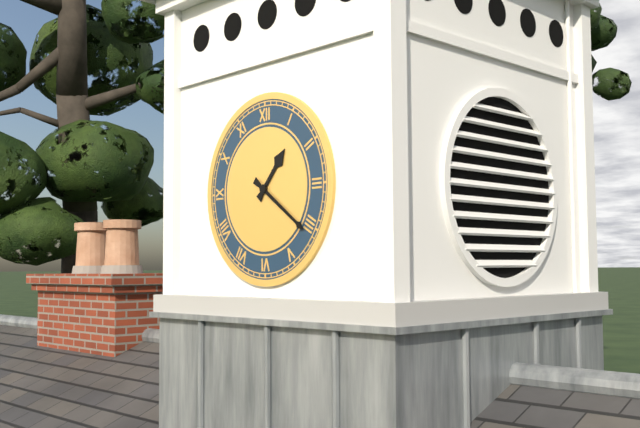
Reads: 1.21
